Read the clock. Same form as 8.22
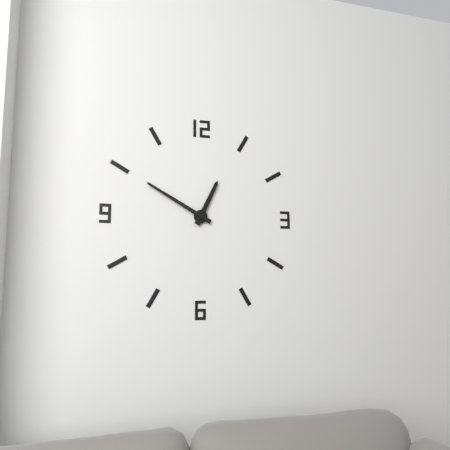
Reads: 12.50
